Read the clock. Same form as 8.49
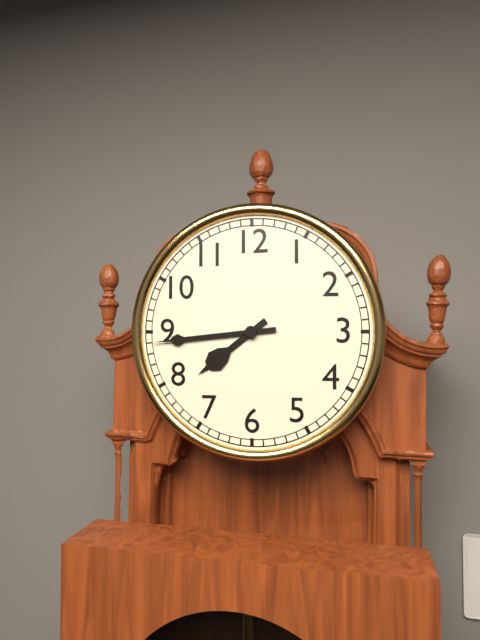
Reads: 7.44
